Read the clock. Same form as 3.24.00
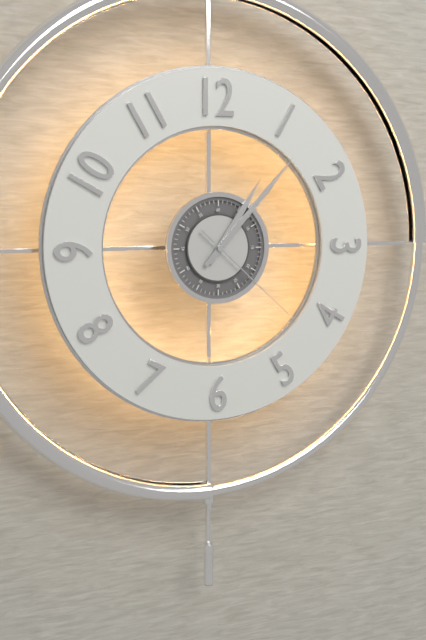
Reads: 1.07.22
